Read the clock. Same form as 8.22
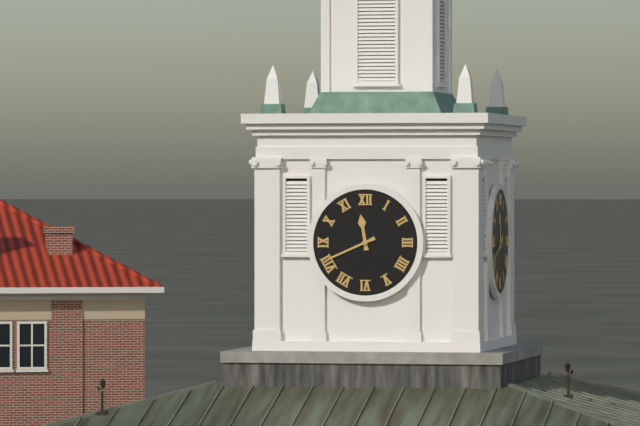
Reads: 11.41
